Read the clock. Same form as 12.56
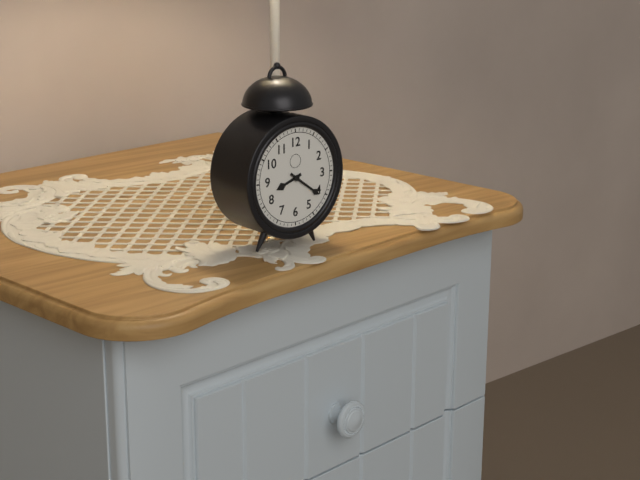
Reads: 8.21
